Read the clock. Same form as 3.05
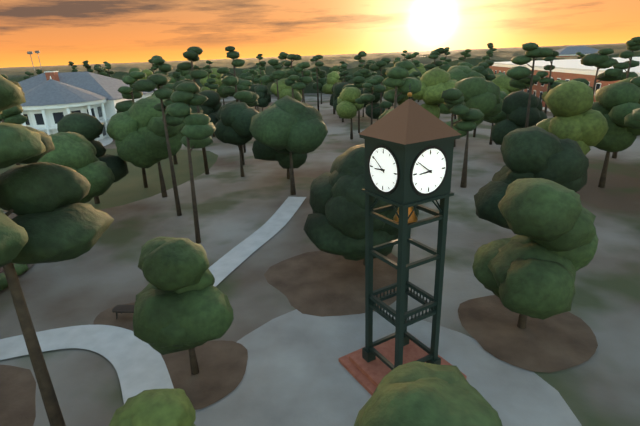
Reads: 8.51
